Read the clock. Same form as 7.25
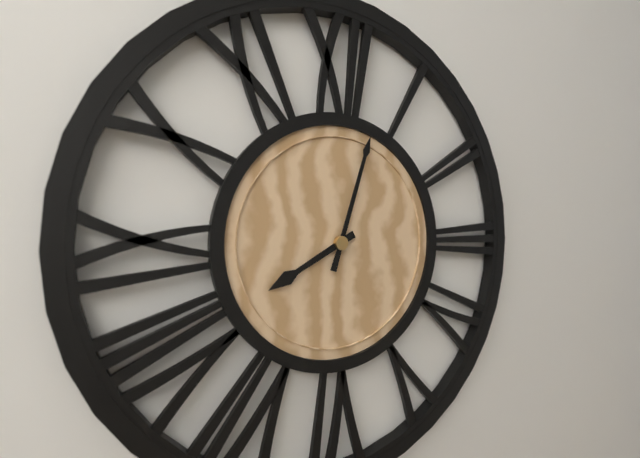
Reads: 8.03
